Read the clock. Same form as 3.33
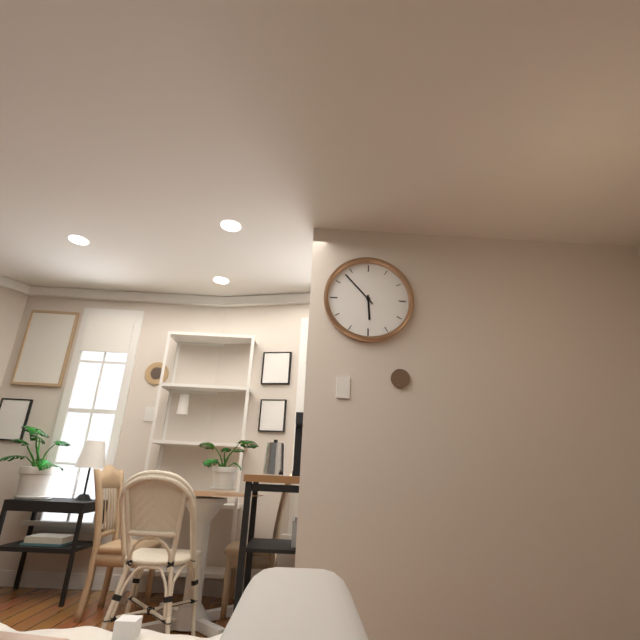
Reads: 5.53
